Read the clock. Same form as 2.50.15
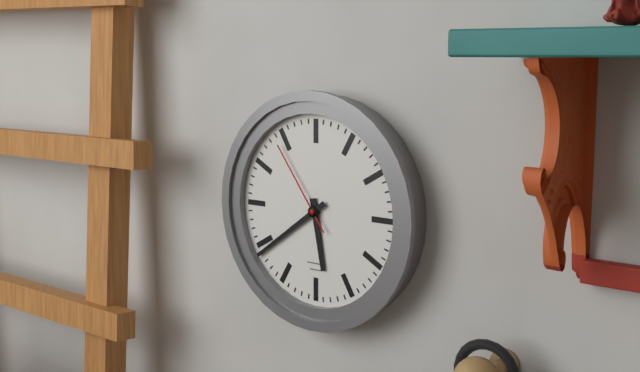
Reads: 5.39.54
